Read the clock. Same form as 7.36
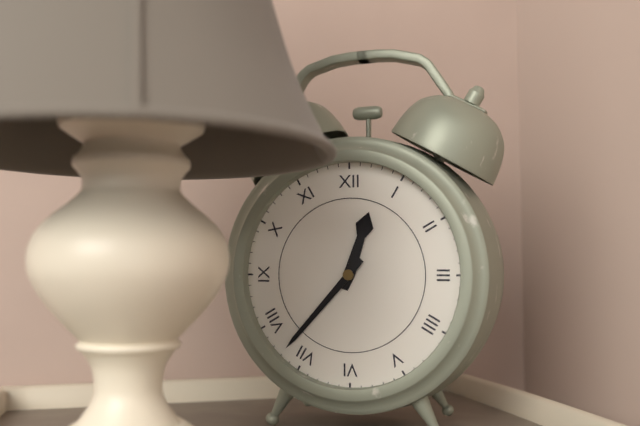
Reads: 12.37
